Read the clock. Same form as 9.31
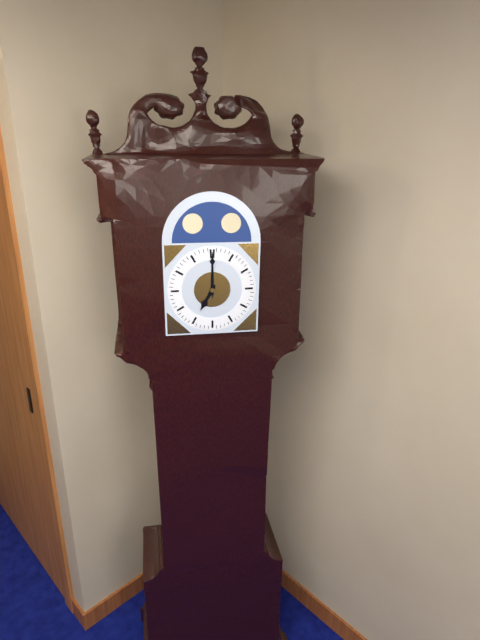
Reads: 7.00
